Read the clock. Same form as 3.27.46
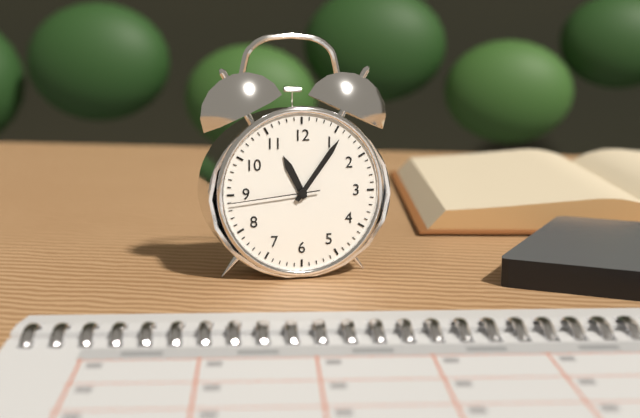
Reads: 11.06.44
